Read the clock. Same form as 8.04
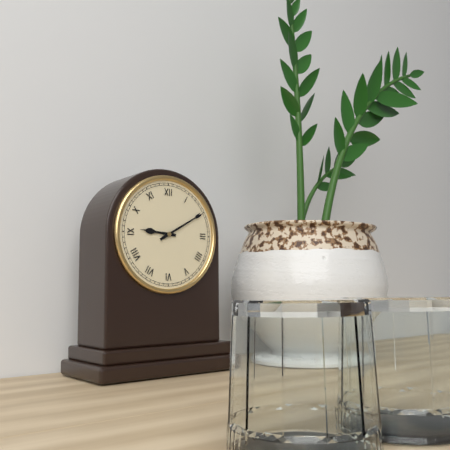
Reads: 9.10
